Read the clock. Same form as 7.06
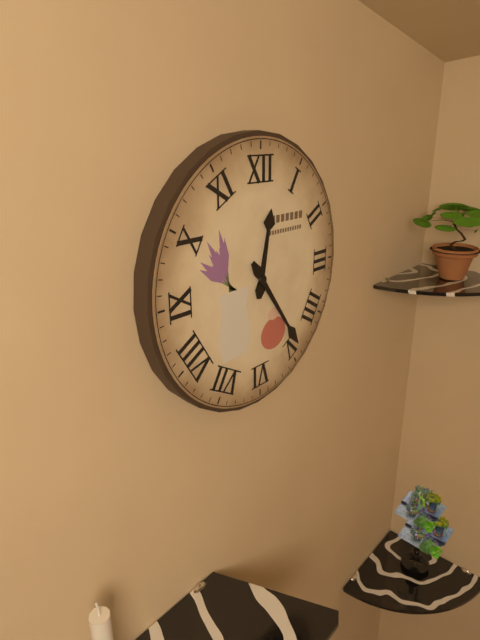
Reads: 12.24
